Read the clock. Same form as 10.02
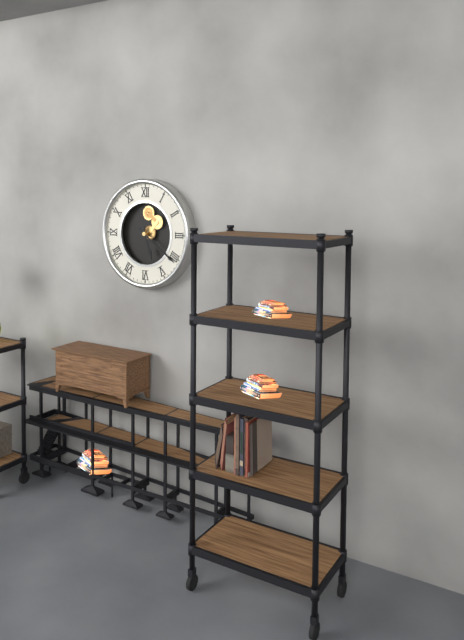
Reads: 5.21
